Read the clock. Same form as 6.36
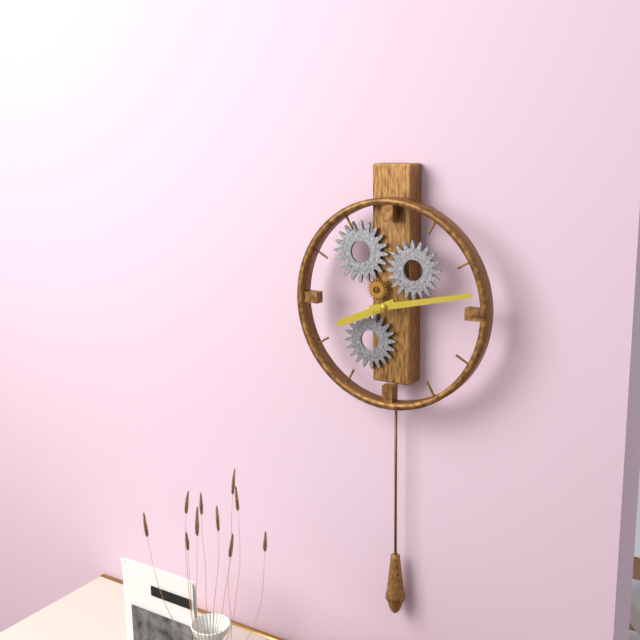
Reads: 8.13
